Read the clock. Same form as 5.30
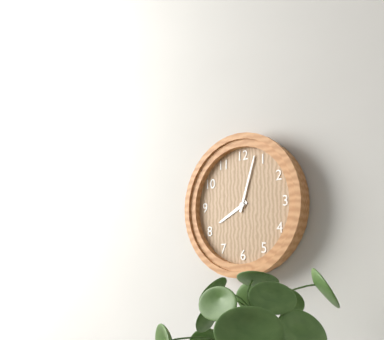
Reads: 8.03
